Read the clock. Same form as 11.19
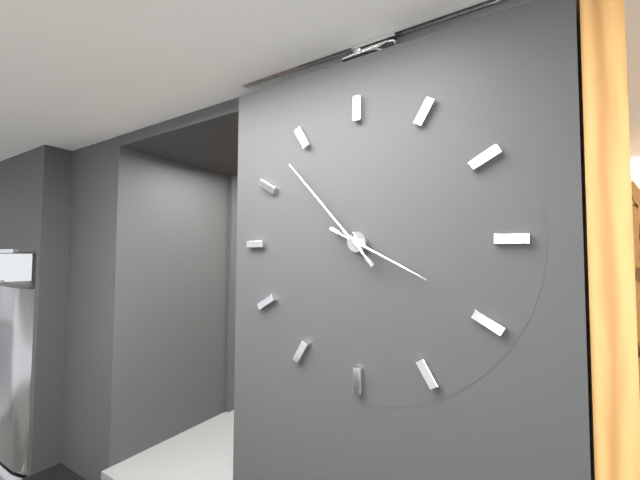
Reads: 3.53
